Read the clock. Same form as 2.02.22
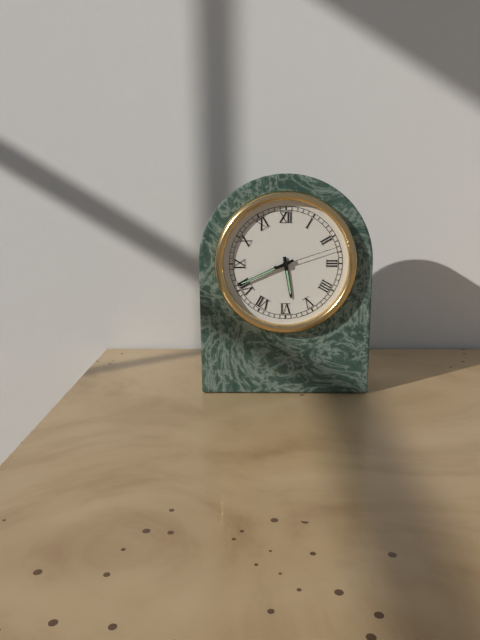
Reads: 5.41.12
